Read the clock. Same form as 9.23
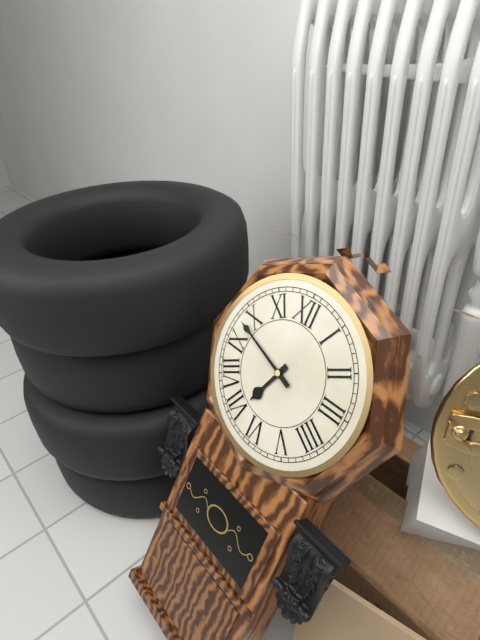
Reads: 6.48
